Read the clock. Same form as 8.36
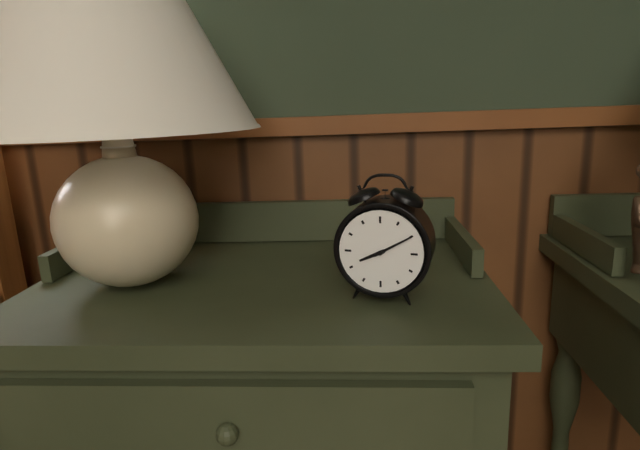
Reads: 8.10
